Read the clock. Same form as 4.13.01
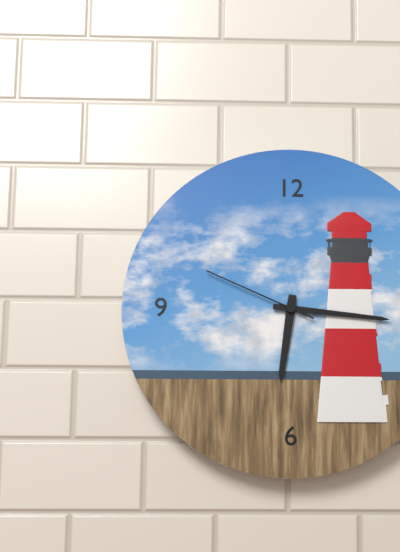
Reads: 6.16.49
